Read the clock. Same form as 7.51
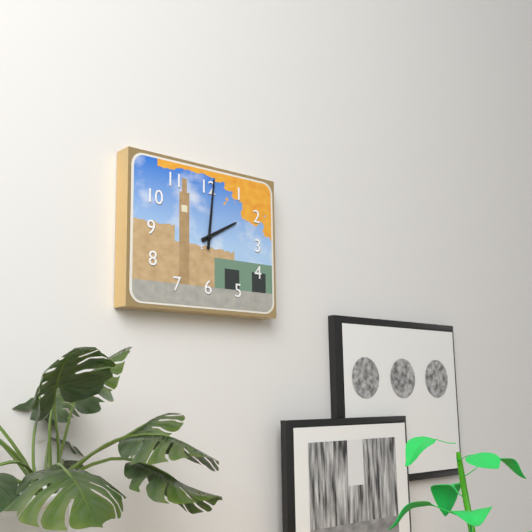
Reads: 2.01
